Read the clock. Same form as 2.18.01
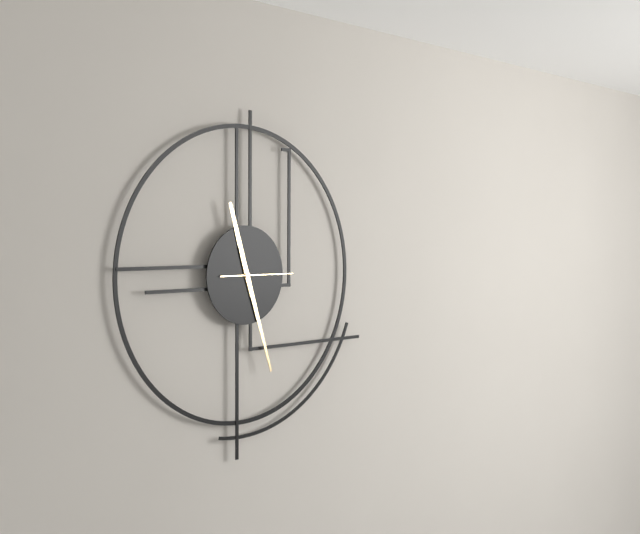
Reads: 11.27.15
